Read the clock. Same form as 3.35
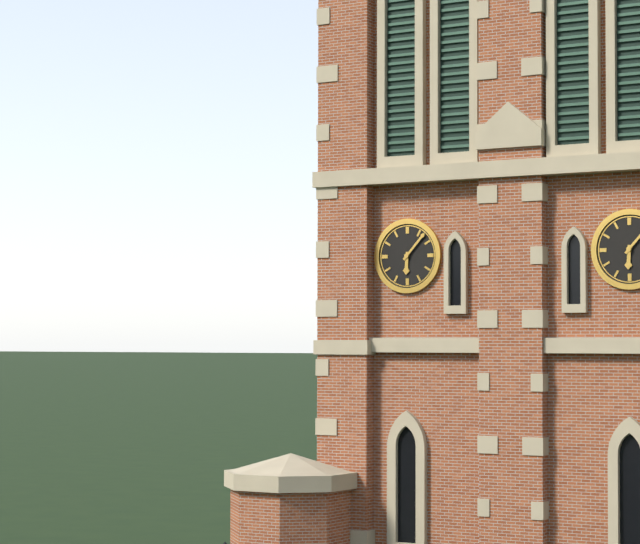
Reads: 6.07
